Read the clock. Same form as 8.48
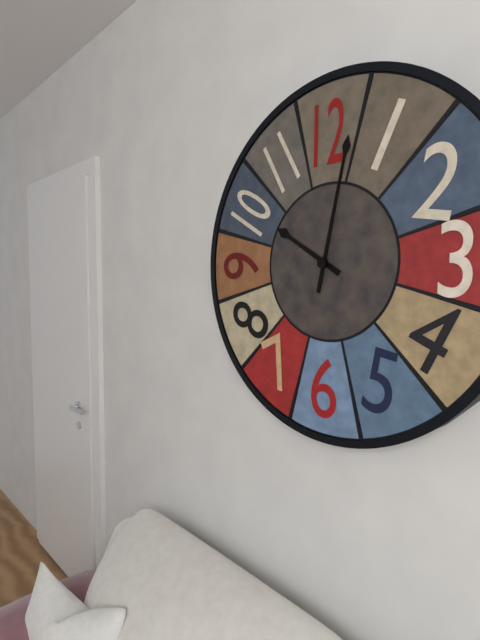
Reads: 10.02
